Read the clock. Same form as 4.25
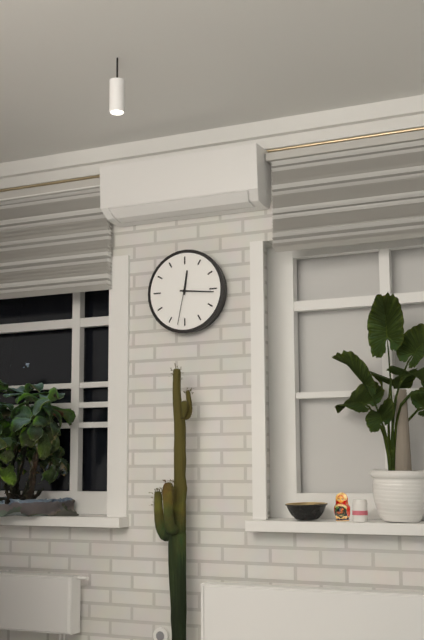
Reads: 12.16
